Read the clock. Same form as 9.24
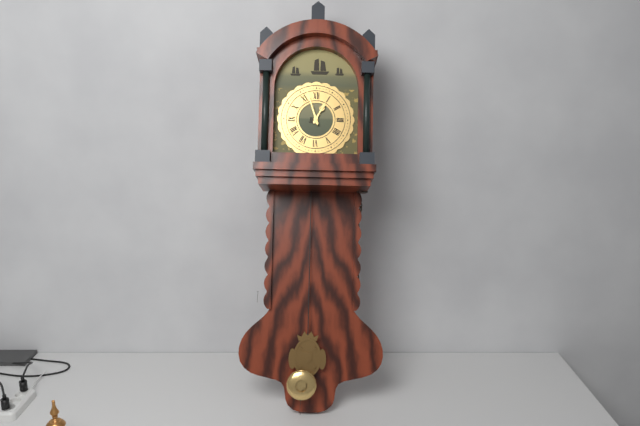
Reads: 12.57
